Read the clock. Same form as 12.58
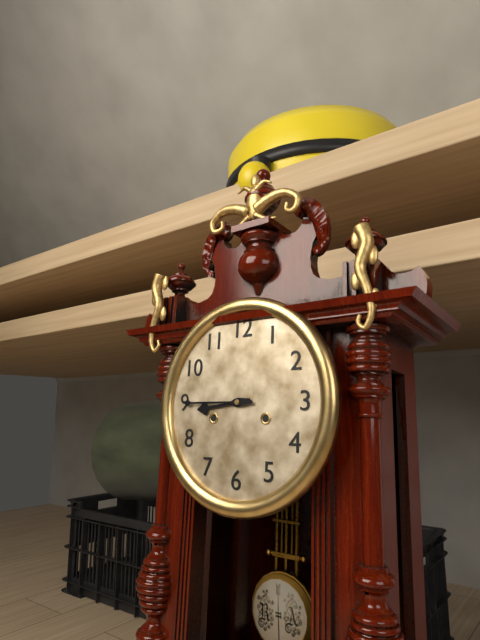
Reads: 8.45
